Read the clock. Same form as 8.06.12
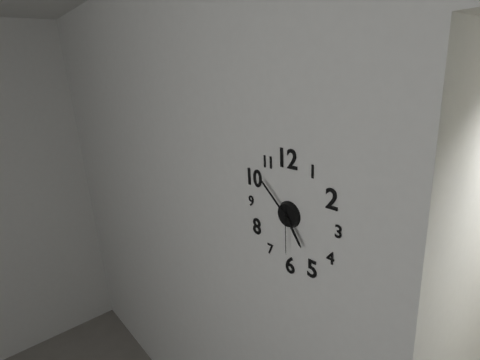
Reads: 4.52.30
